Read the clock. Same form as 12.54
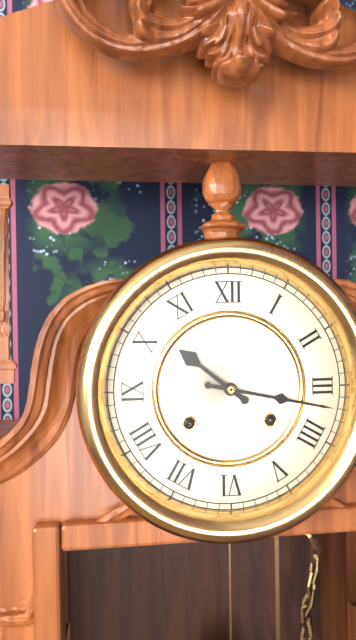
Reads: 10.17
